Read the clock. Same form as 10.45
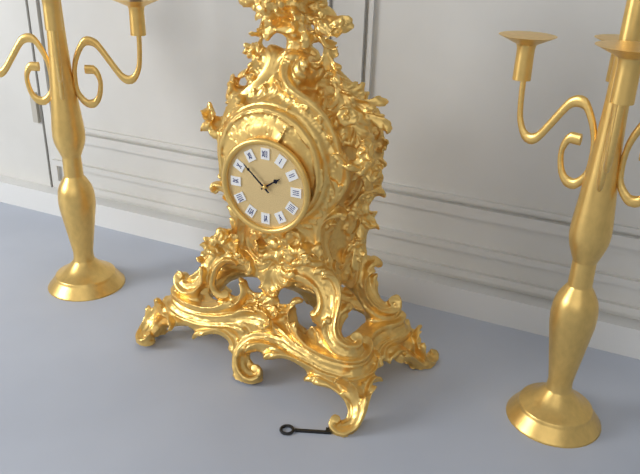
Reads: 1.52
